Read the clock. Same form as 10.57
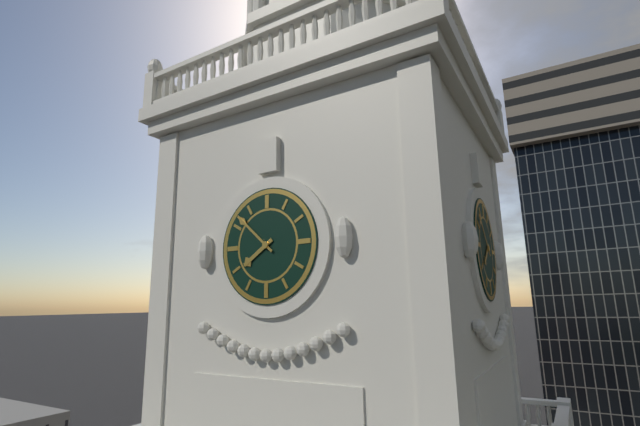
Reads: 7.52
